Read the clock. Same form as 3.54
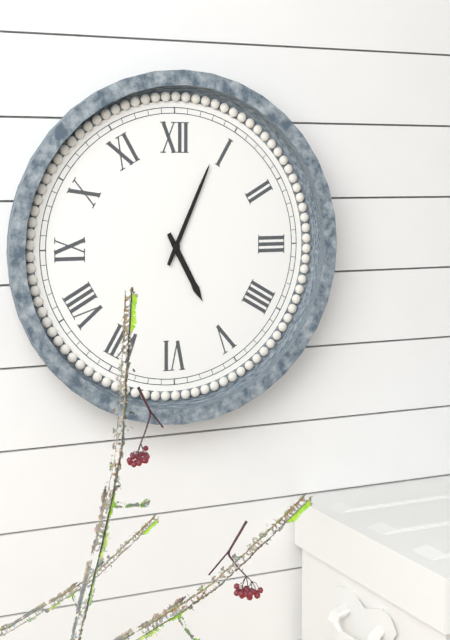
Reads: 5.04
